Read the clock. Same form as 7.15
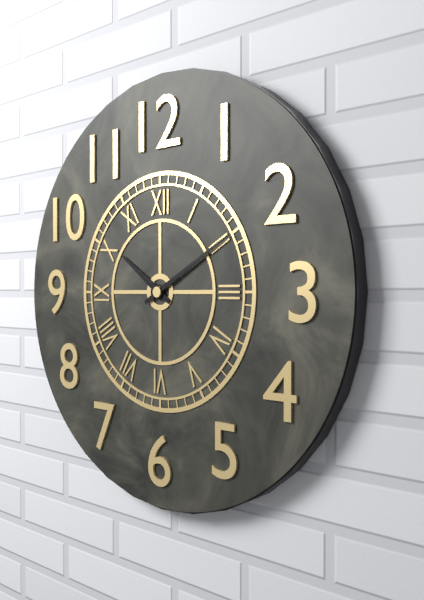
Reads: 10.10
